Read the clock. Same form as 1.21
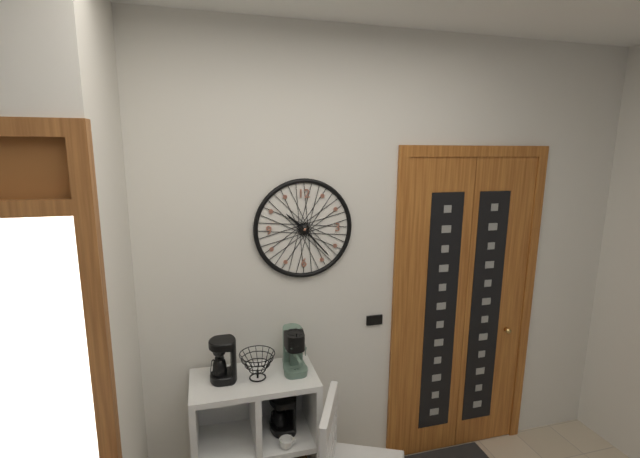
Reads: 10.23
